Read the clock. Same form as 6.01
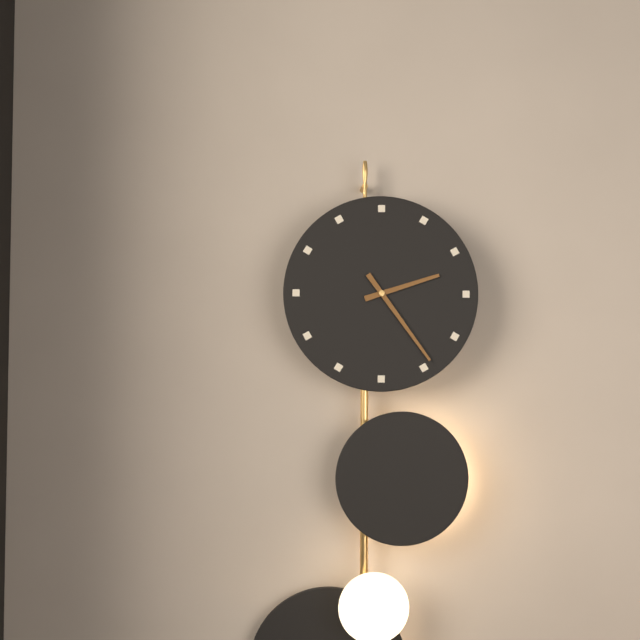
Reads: 2.24
